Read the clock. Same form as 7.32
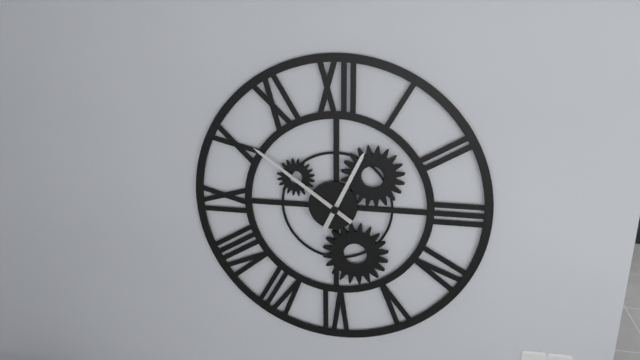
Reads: 12.51
